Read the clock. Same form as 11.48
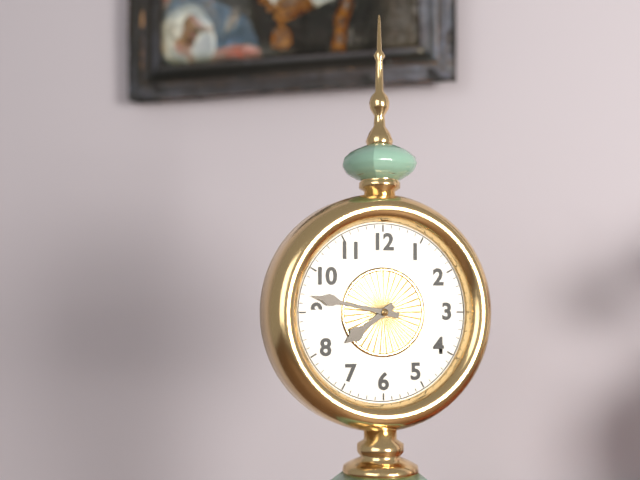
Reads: 7.47
